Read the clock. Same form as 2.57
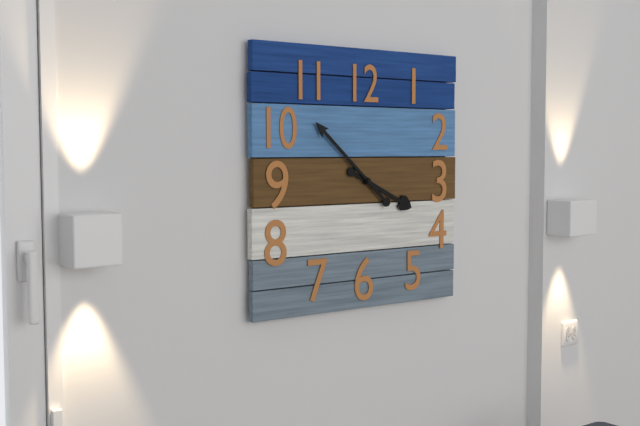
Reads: 3.52
